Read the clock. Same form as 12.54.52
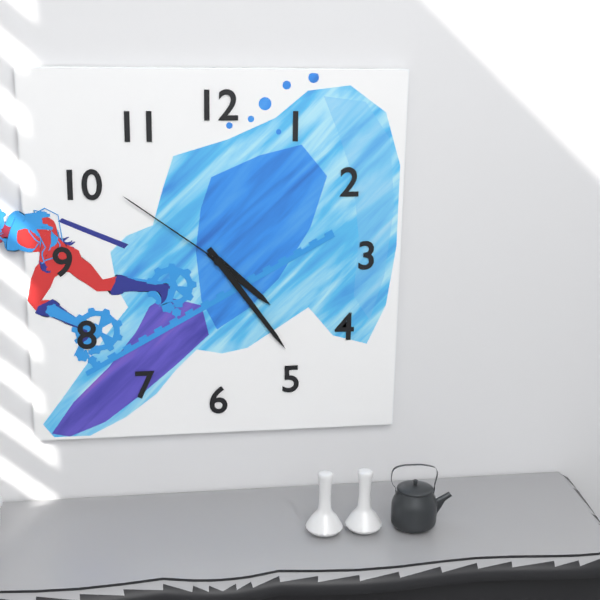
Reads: 4.24.51
